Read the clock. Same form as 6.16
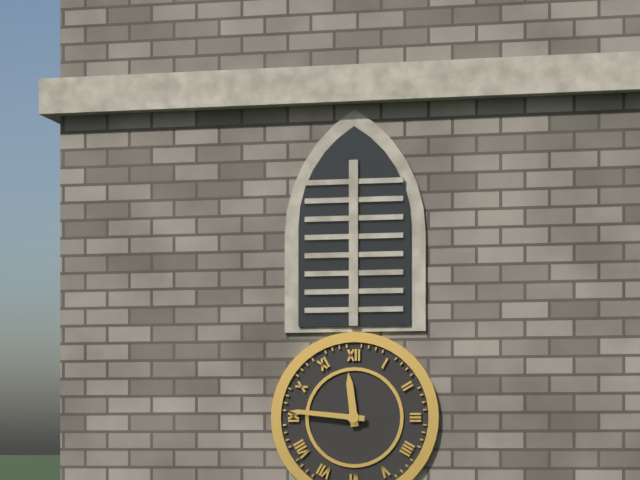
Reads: 11.46
